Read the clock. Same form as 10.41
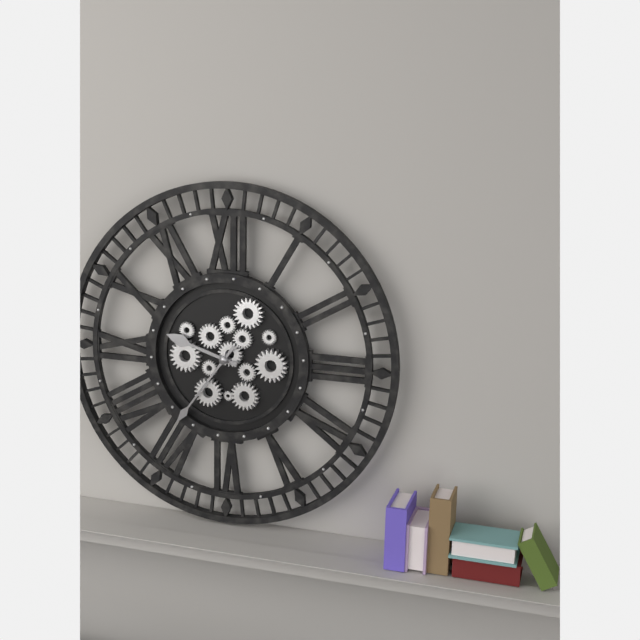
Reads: 9.36
